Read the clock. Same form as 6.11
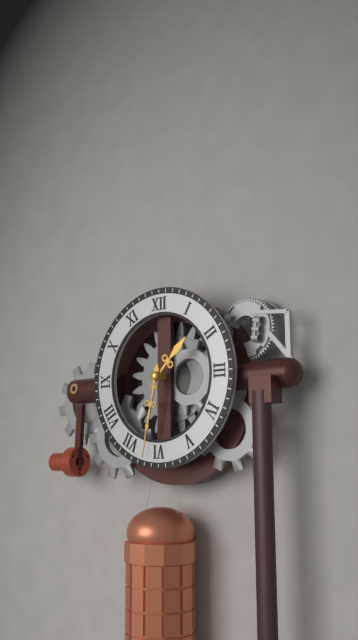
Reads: 1.32
